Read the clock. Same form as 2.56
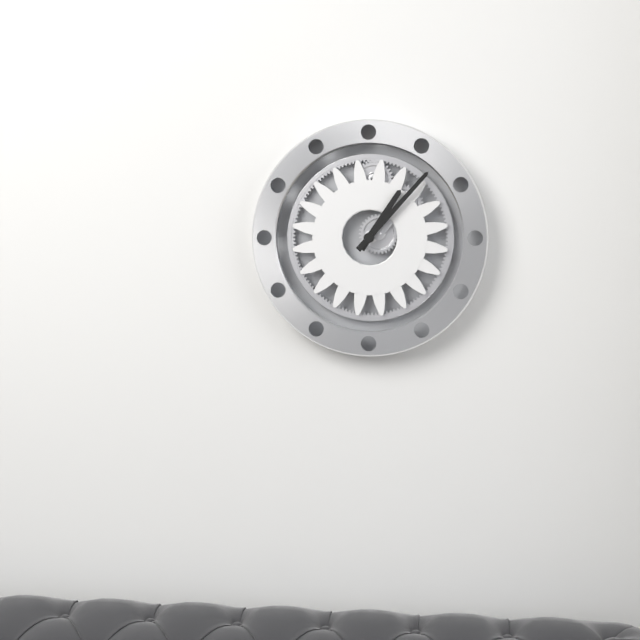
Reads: 1.07
